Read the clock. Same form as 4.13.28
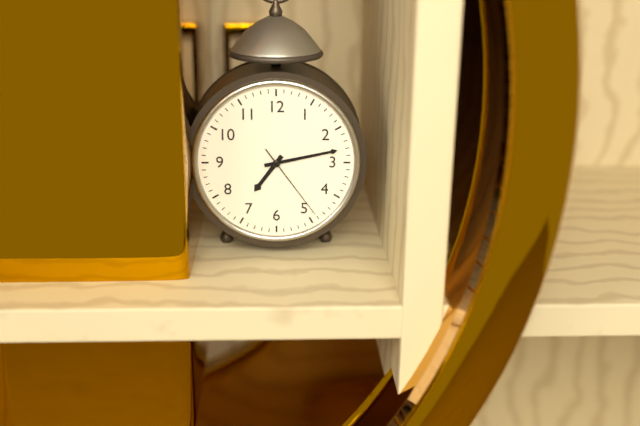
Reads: 7.13.24
